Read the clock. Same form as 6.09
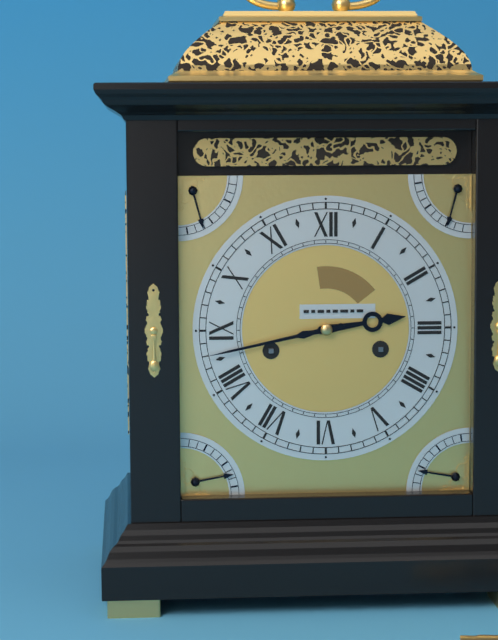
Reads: 2.43
